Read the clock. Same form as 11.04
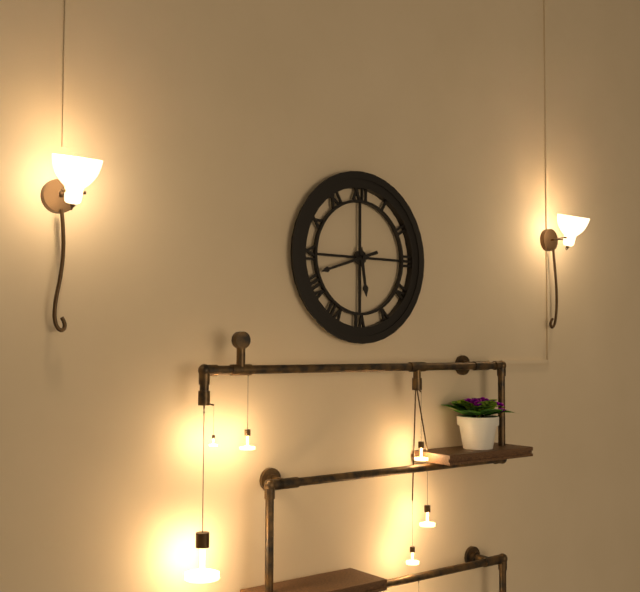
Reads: 5.42
